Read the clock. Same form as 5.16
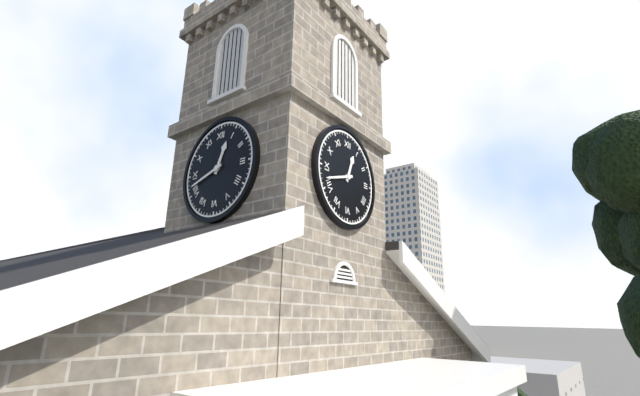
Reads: 12.42
